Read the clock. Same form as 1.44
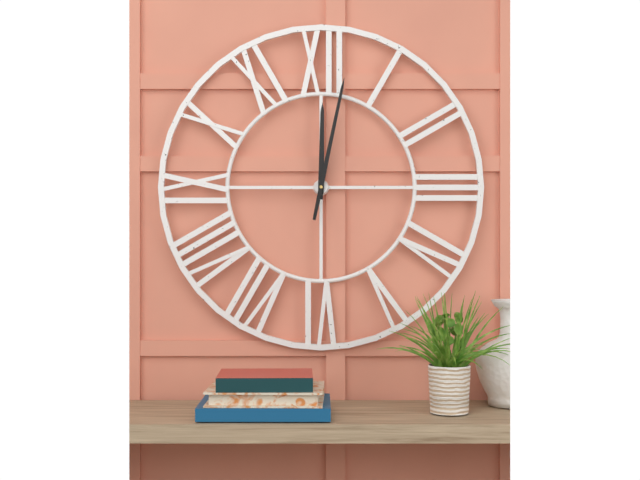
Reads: 12.02
